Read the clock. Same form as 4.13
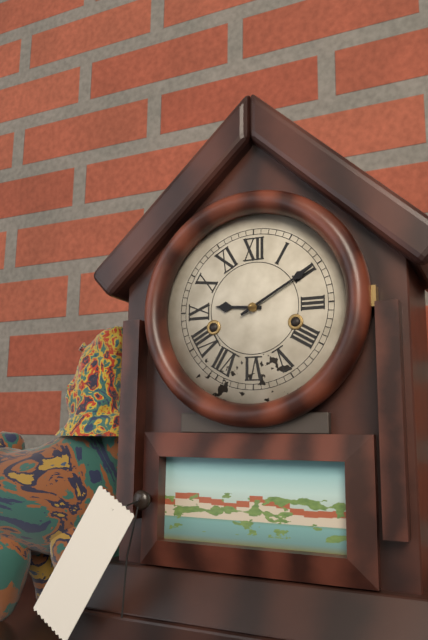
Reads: 9.10
